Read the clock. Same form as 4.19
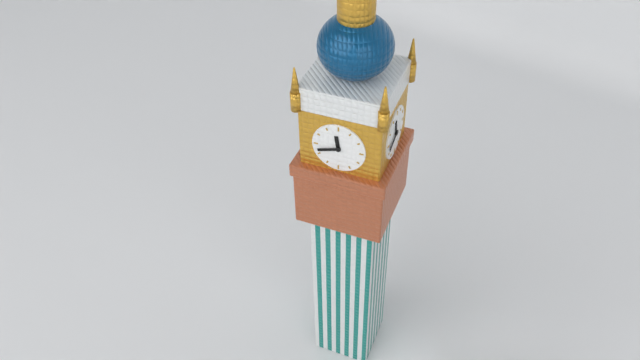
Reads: 11.42
